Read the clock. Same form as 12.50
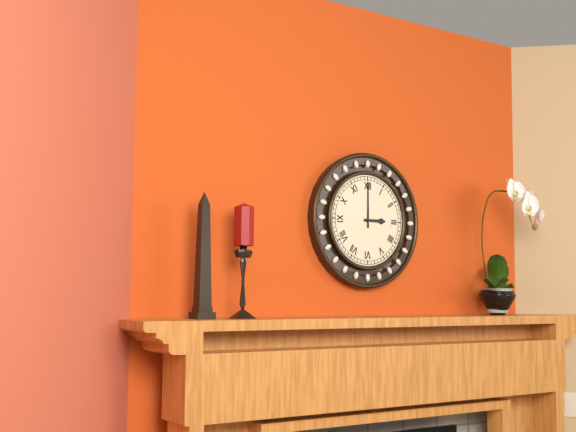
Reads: 3.00
